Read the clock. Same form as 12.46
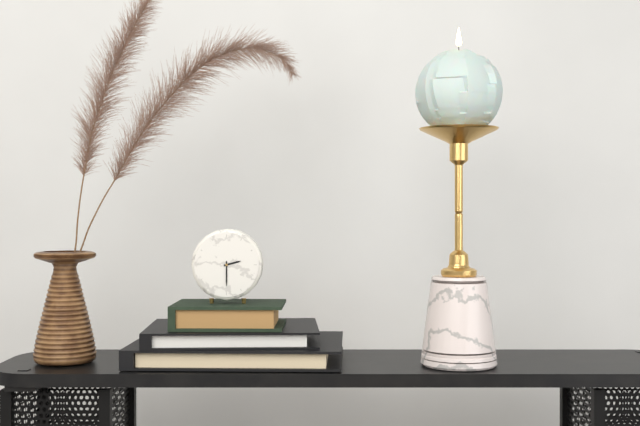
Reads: 2.30
